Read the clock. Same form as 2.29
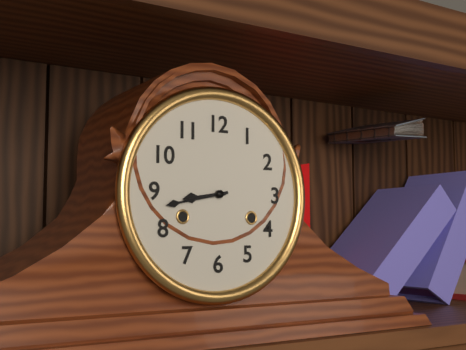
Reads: 8.43
